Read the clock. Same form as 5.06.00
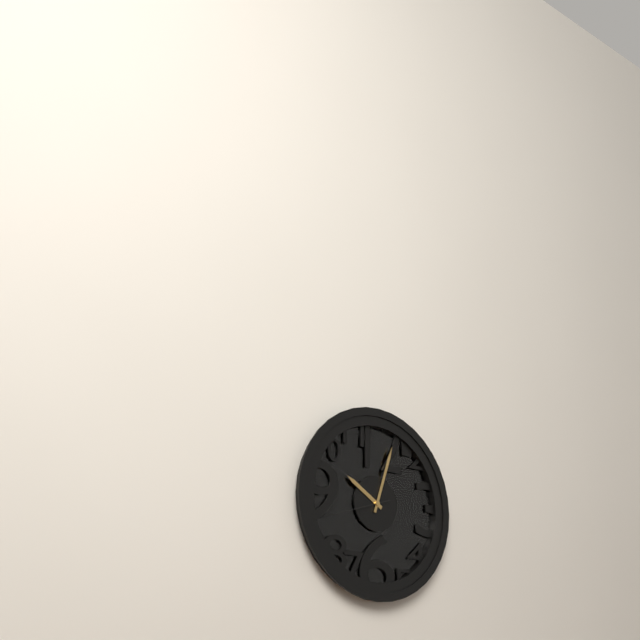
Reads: 10.03.42
